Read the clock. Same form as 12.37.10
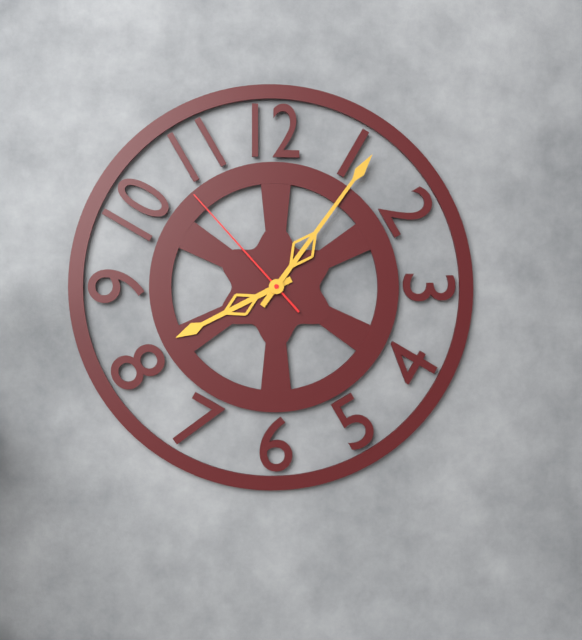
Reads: 8.06.53
